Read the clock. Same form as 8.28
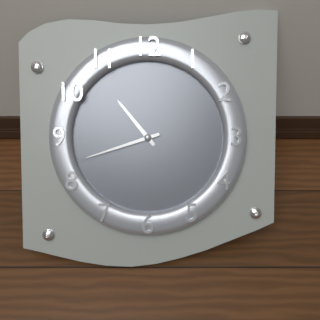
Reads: 10.42
